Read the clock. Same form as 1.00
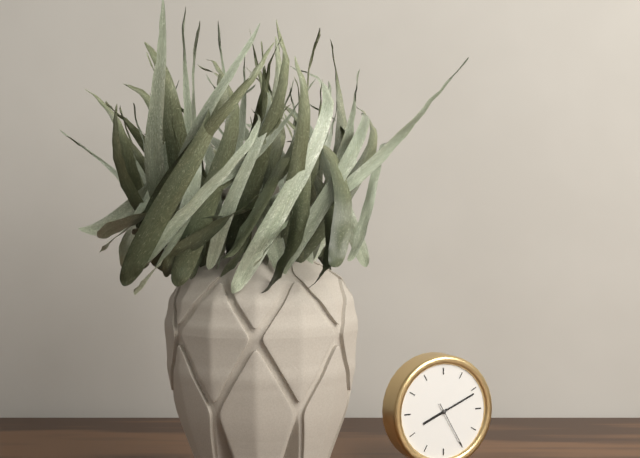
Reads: 8.11
